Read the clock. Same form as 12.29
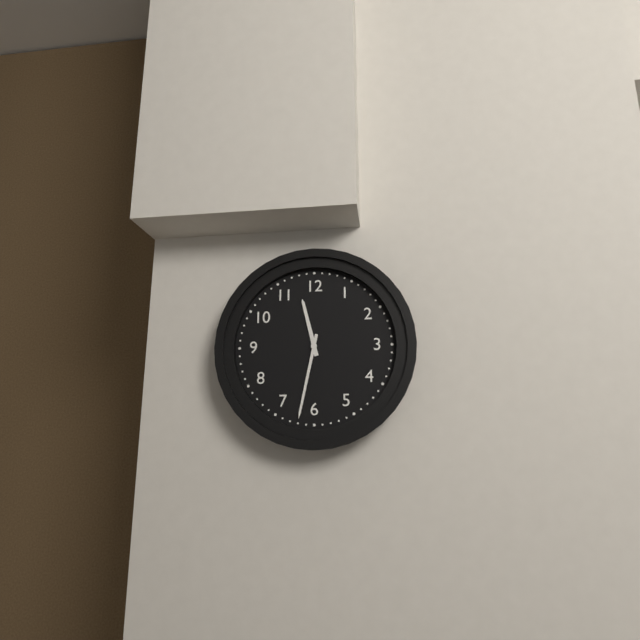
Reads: 11.32
